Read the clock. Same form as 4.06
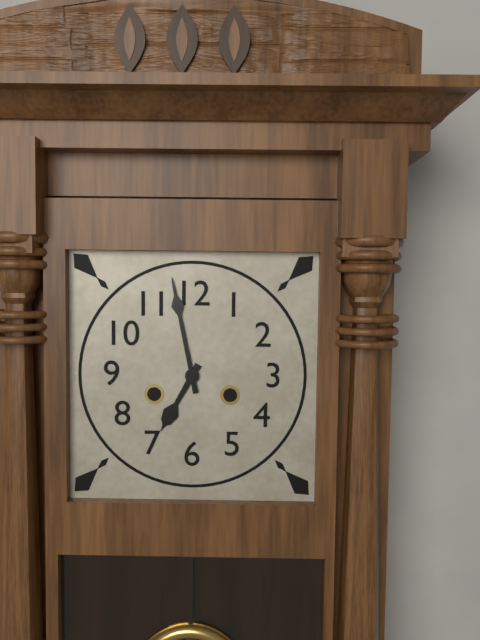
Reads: 6.58
